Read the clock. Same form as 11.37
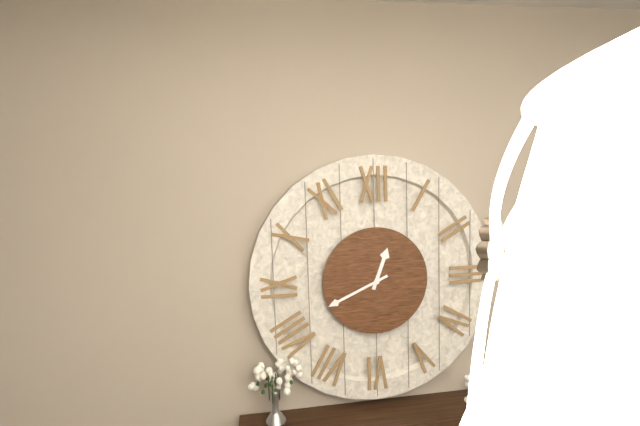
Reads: 12.41
